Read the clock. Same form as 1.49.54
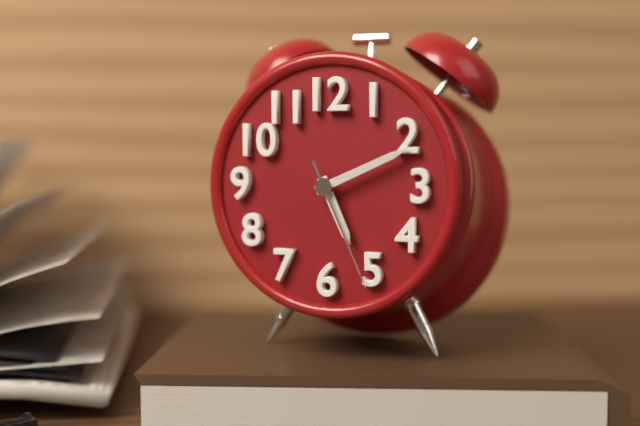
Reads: 5.11.26
